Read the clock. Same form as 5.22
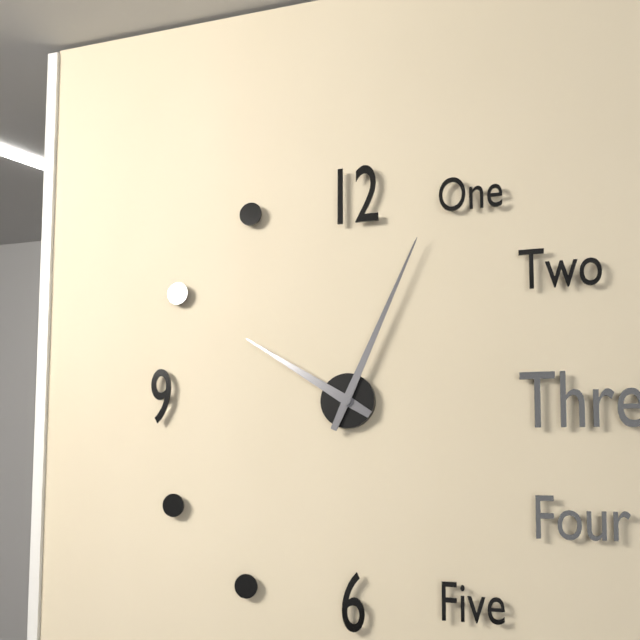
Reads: 10.04
